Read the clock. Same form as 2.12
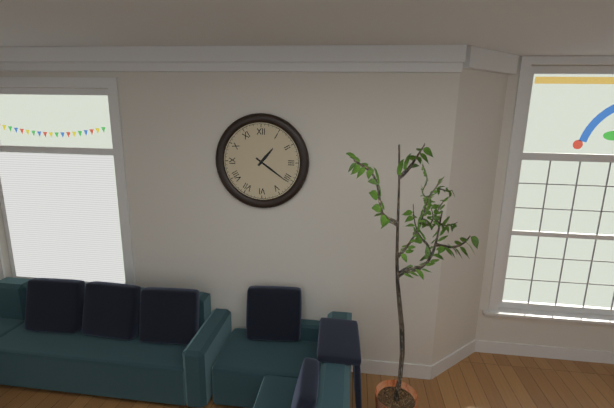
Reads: 1.21
